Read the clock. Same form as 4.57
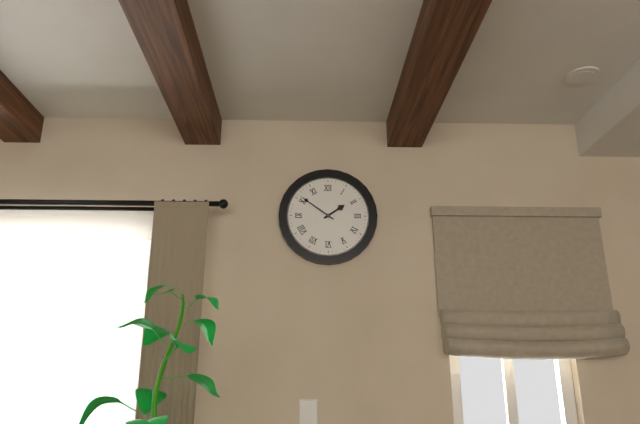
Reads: 1.51
